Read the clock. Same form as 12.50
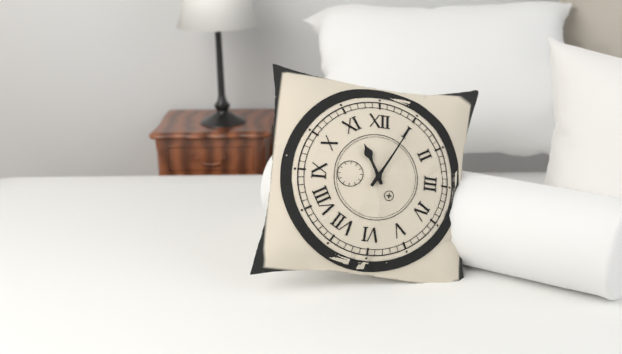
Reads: 11.05
